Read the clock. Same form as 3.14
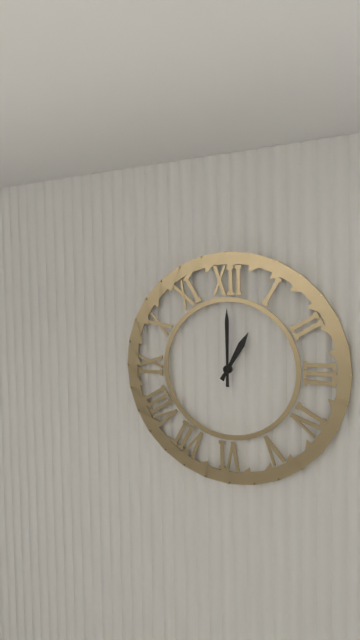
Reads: 1.00
